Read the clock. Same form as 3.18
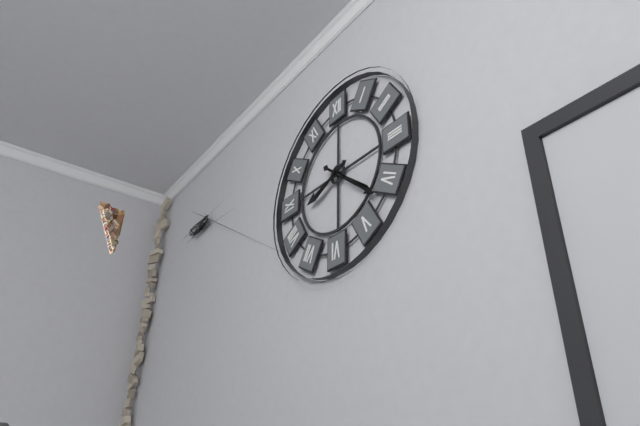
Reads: 8.22
